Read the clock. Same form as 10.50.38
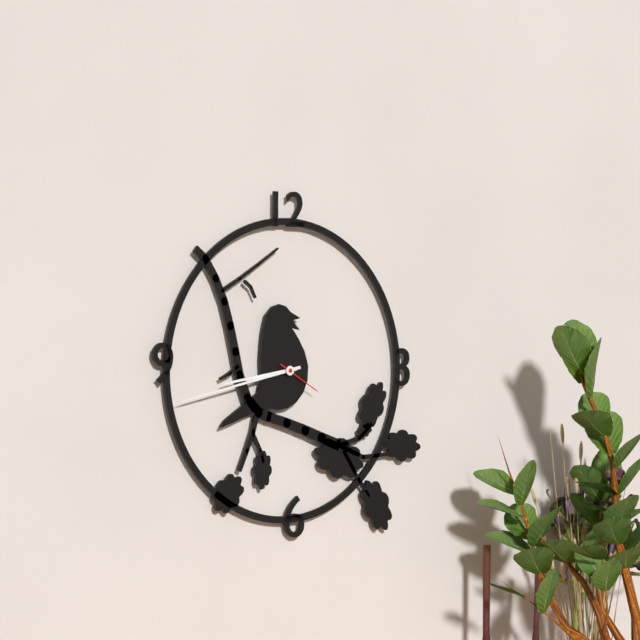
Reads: 8.43.20
